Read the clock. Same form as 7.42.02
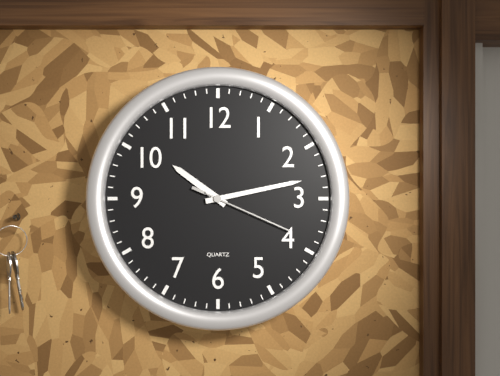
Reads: 10.13.19
